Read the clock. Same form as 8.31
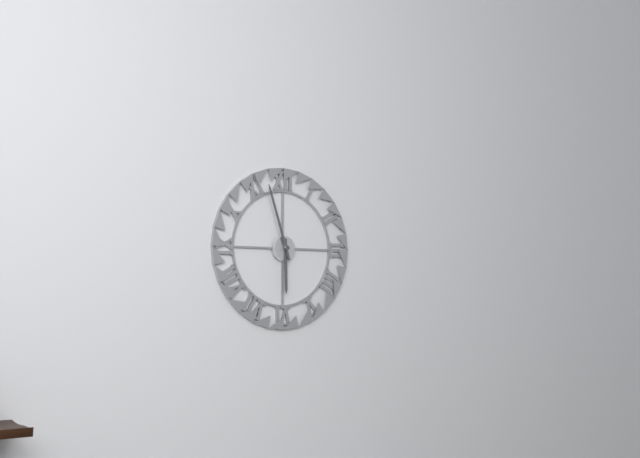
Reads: 5.57
